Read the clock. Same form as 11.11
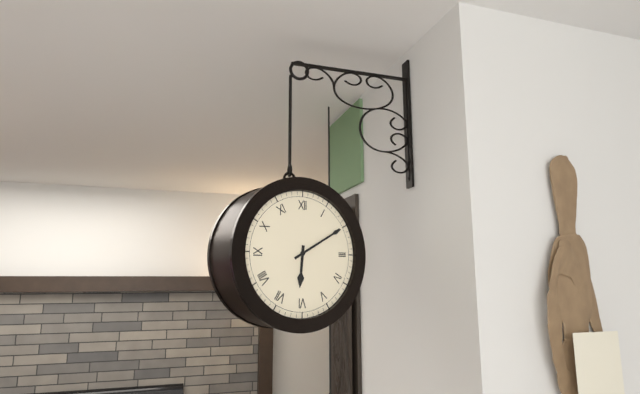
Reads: 6.10
